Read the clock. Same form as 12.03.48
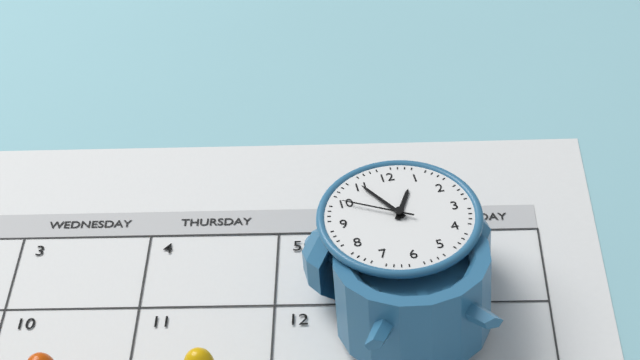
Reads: 12.55.50
